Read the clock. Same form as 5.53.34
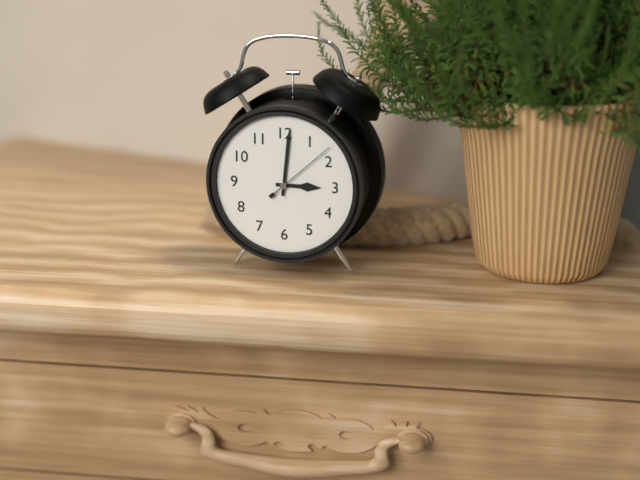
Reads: 3.01.08
